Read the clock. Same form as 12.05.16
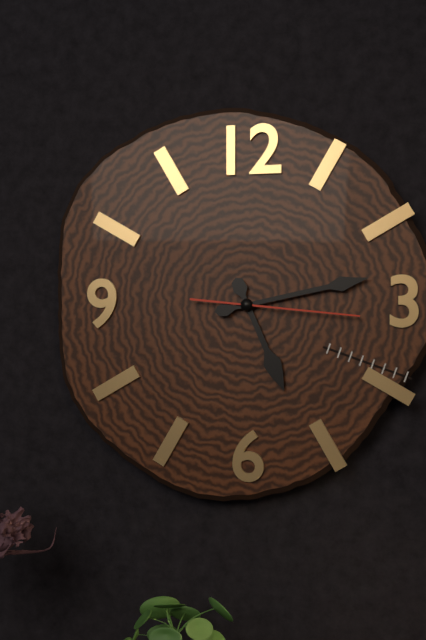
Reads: 5.13.16
